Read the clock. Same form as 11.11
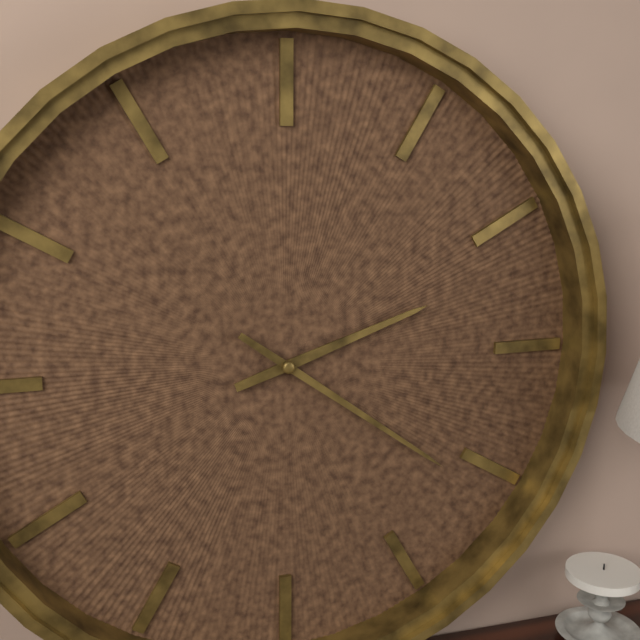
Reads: 2.21
